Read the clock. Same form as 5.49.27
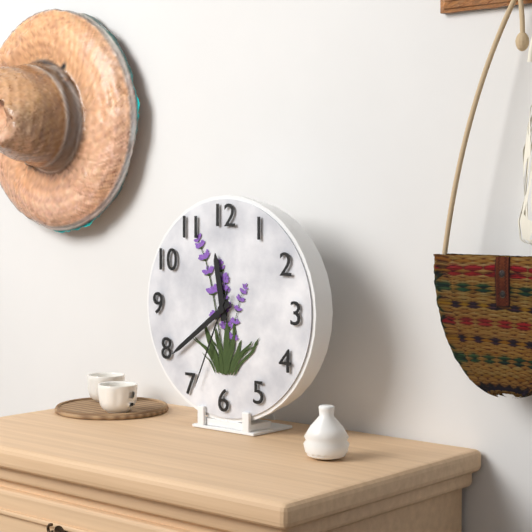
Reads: 11.39.34
